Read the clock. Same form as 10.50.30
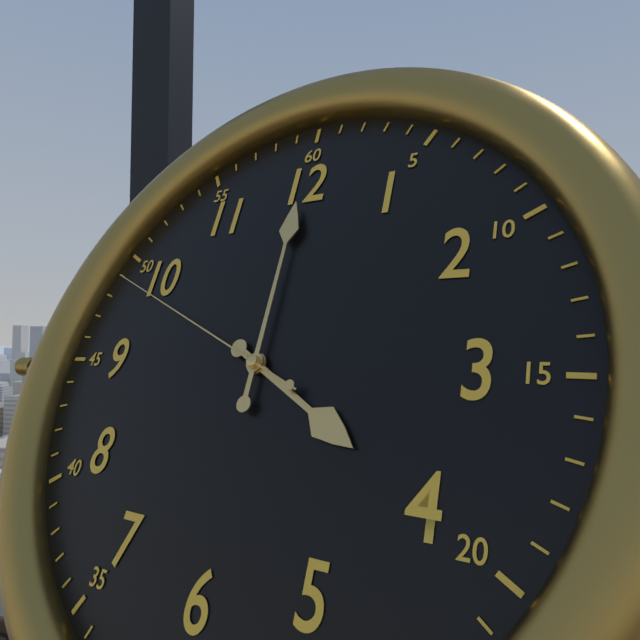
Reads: 4.00.49
